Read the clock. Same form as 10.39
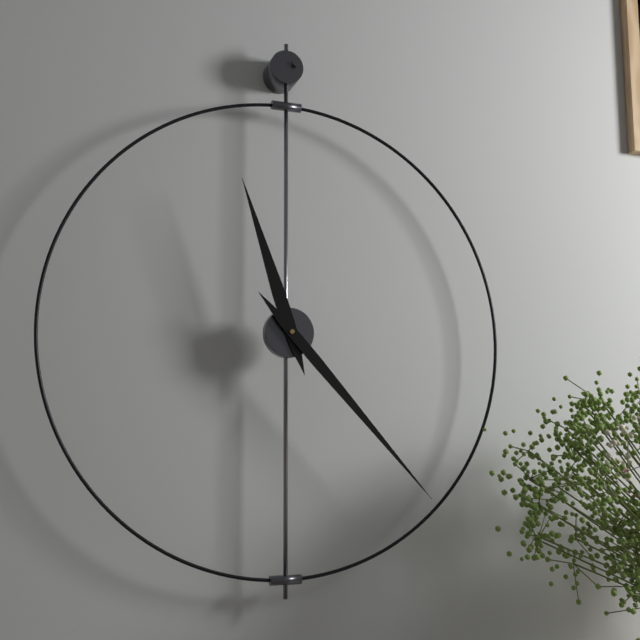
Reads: 11.23
